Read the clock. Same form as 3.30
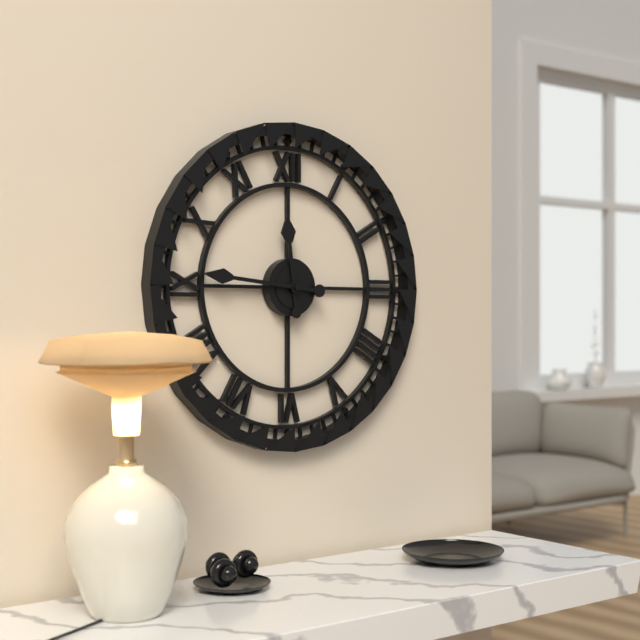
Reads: 11.46
